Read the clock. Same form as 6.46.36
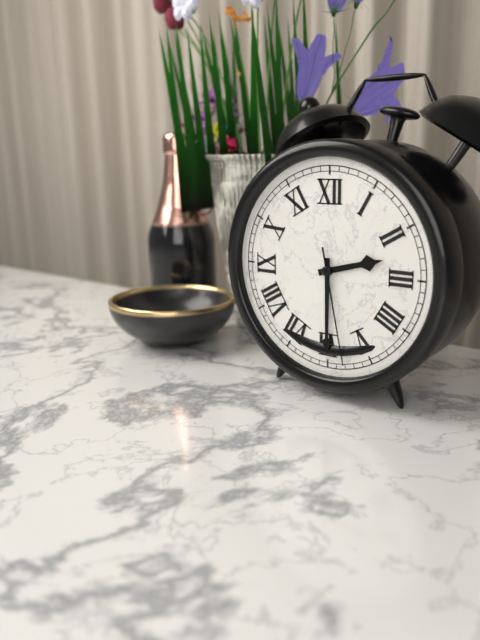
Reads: 2.30.28
